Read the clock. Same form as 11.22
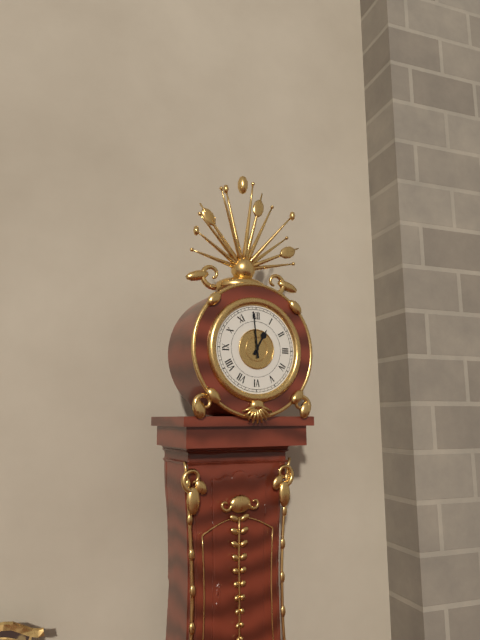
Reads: 12.59
